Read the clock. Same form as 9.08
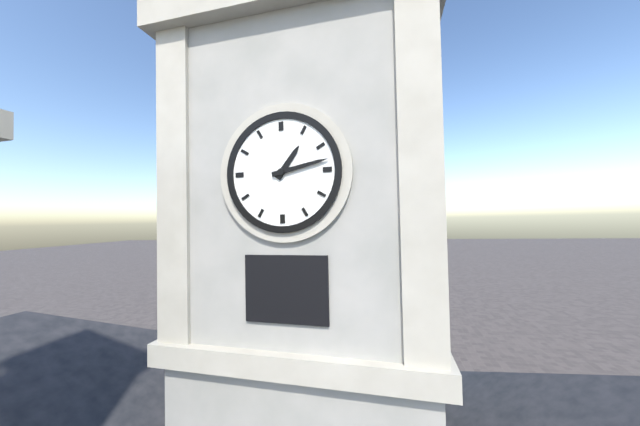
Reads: 1.13
